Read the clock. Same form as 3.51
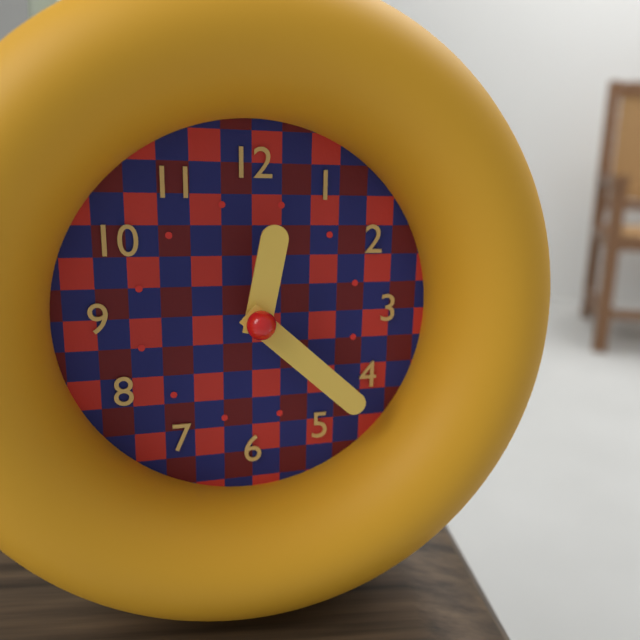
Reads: 12.22
